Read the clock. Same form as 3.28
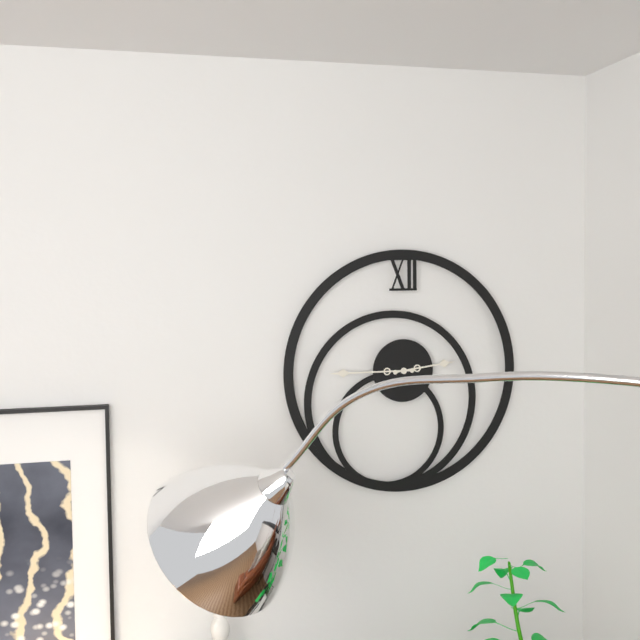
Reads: 2.45
